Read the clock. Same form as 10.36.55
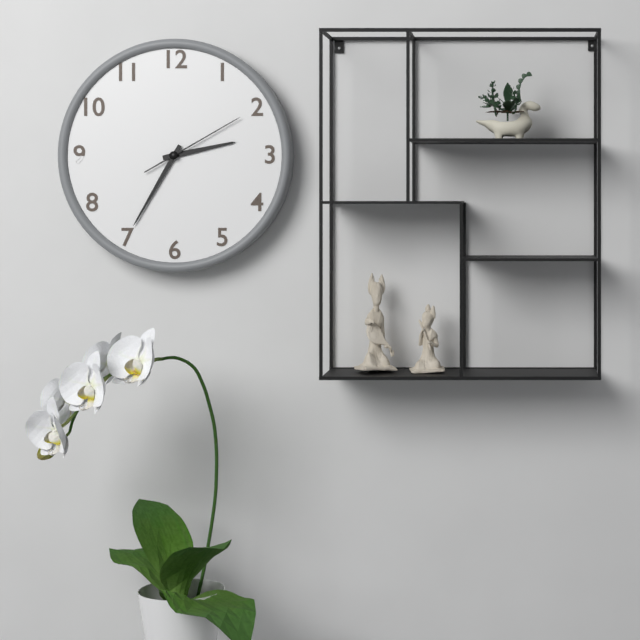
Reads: 2.35.10
